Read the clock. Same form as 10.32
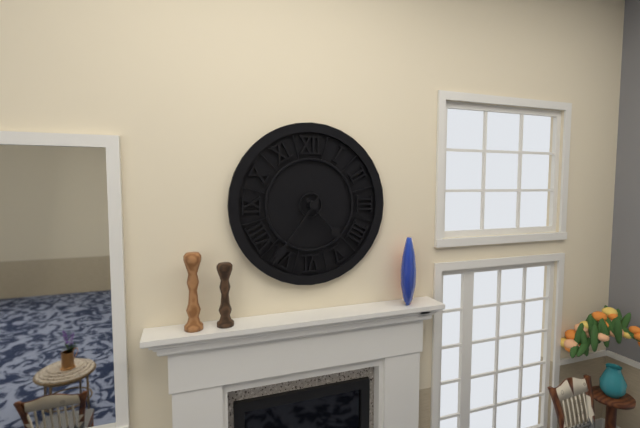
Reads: 4.36
